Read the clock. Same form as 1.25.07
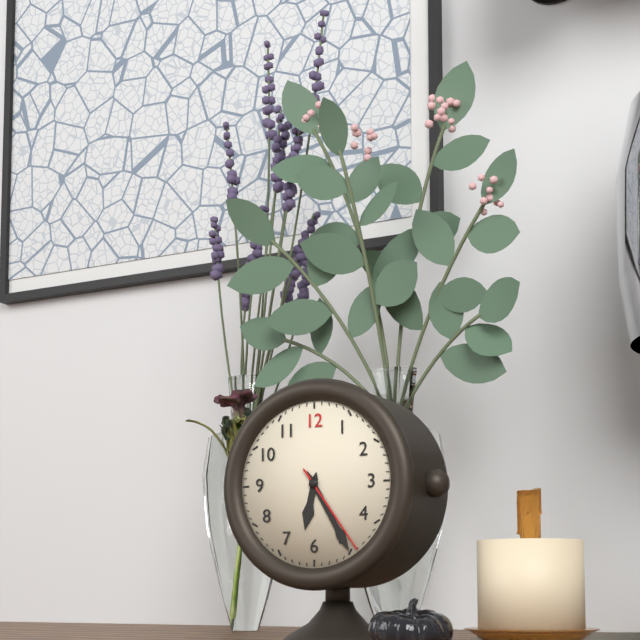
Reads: 6.25.24
